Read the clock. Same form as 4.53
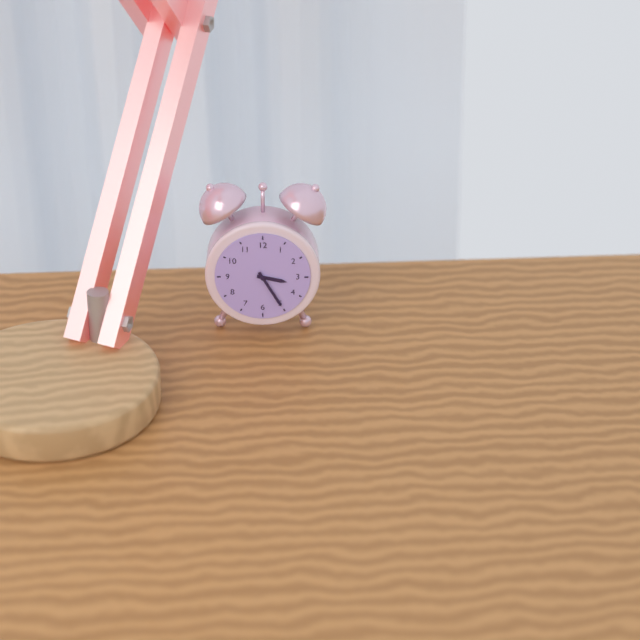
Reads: 3.25
